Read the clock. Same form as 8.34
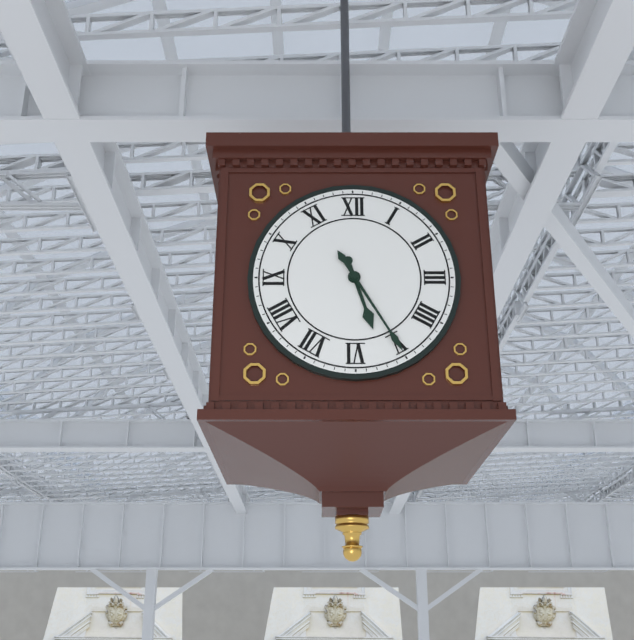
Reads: 5.25
